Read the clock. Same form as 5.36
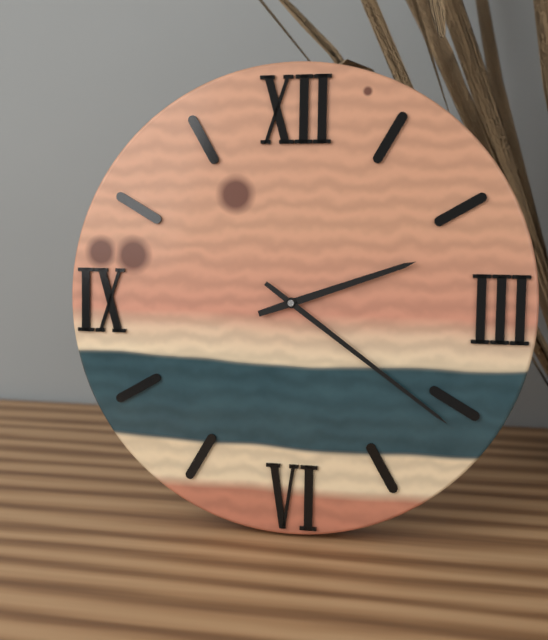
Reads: 2.21
